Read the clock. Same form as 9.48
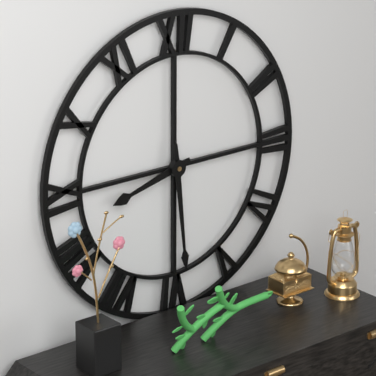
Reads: 8.29
